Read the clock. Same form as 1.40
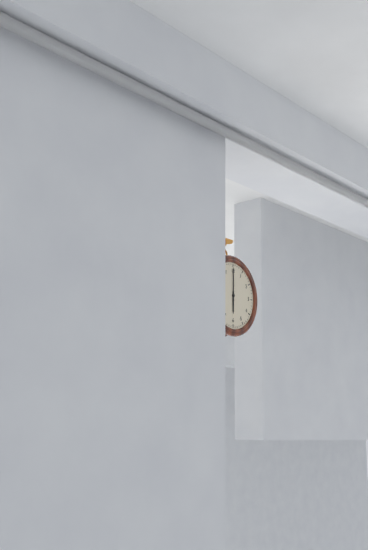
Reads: 6.00
